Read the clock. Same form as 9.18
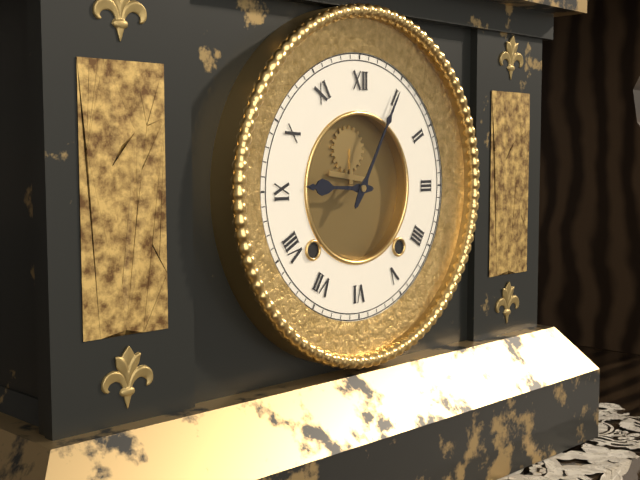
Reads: 9.05
